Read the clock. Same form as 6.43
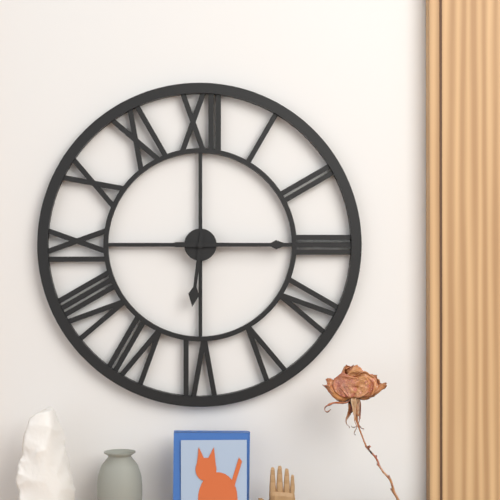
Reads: 6.15
